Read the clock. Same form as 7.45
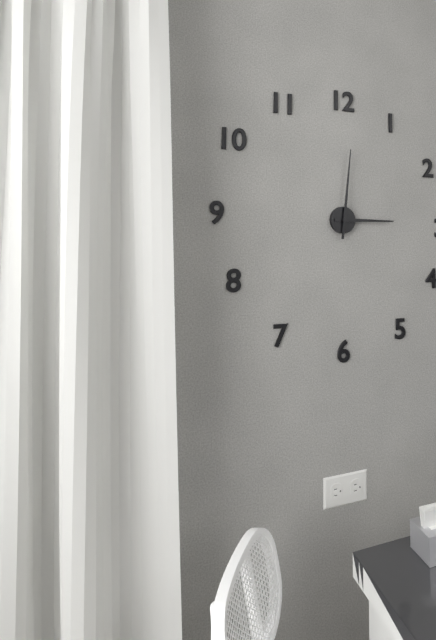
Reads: 3.01
